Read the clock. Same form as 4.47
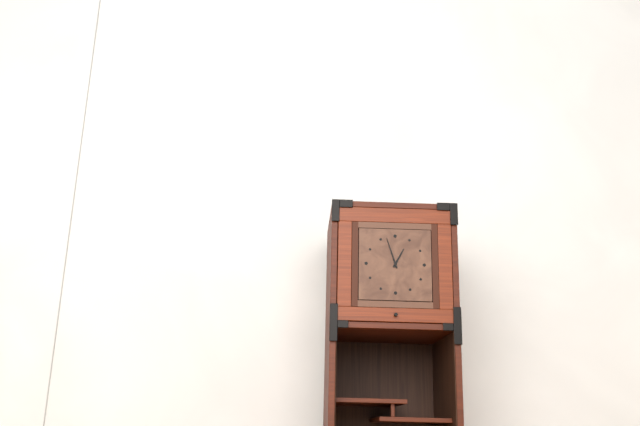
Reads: 12.57
